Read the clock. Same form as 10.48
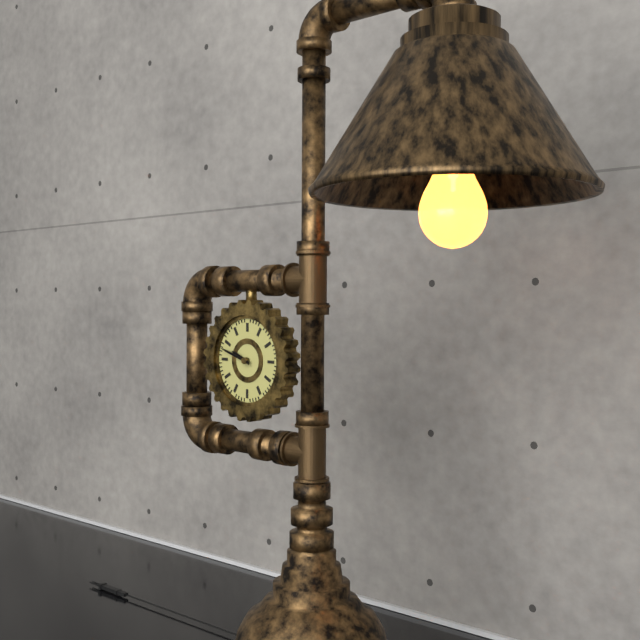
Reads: 9.48
